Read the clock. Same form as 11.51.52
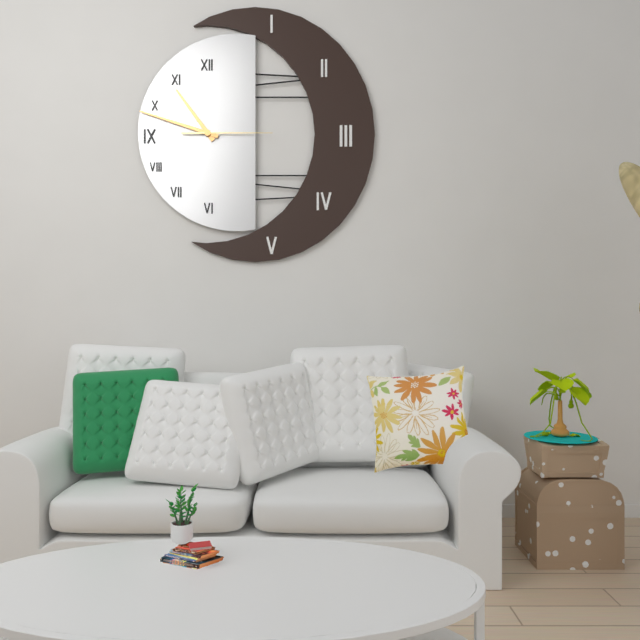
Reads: 10.48.15
